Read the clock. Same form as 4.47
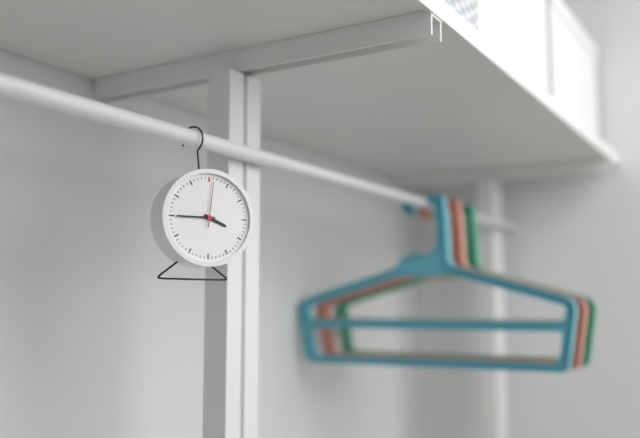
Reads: 3.45
